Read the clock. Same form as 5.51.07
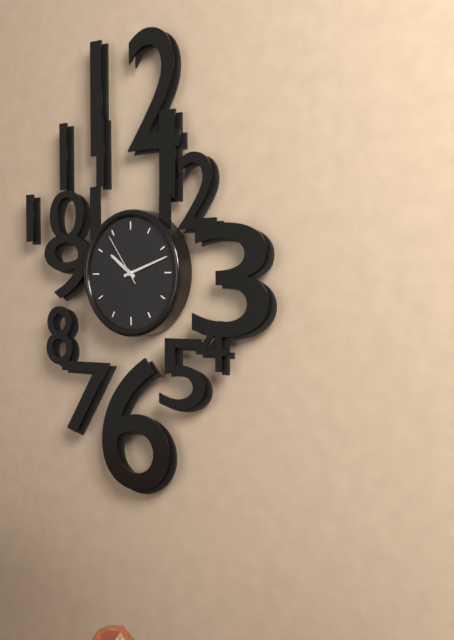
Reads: 10.12.54
